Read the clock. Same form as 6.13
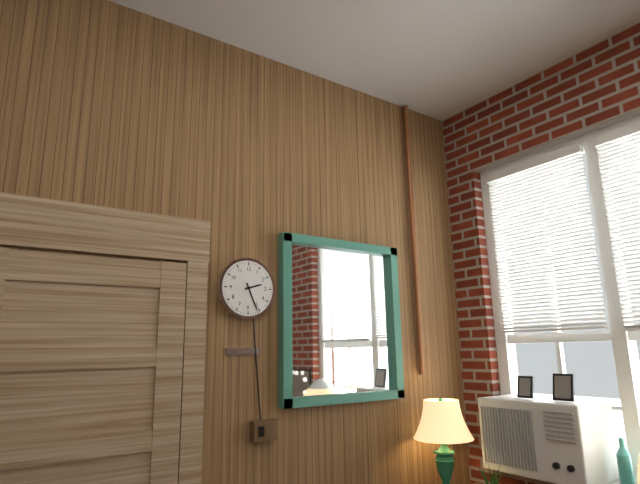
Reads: 2.26
